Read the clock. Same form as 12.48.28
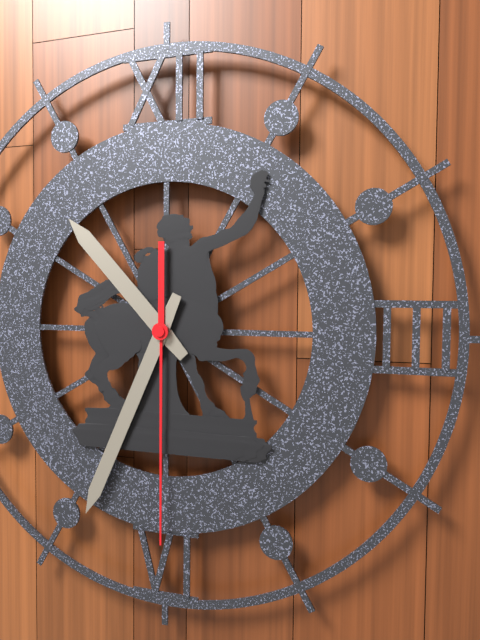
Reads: 10.34.30
